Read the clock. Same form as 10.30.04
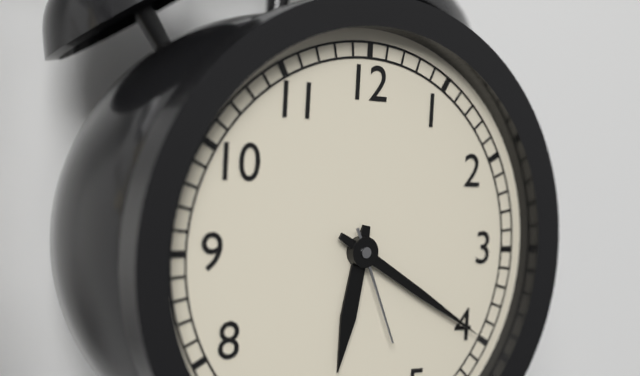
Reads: 6.20.26
